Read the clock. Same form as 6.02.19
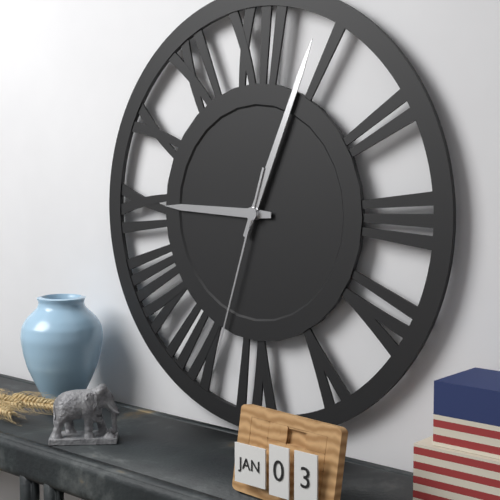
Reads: 9.04.33
